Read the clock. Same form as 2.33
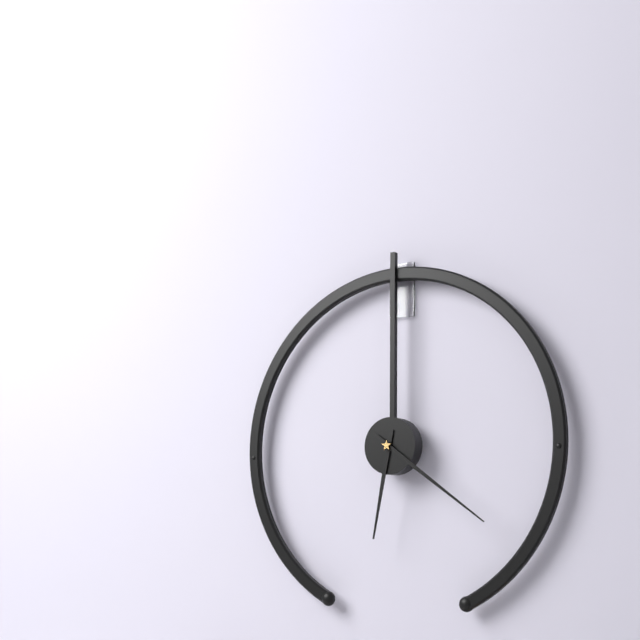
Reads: 6.21
